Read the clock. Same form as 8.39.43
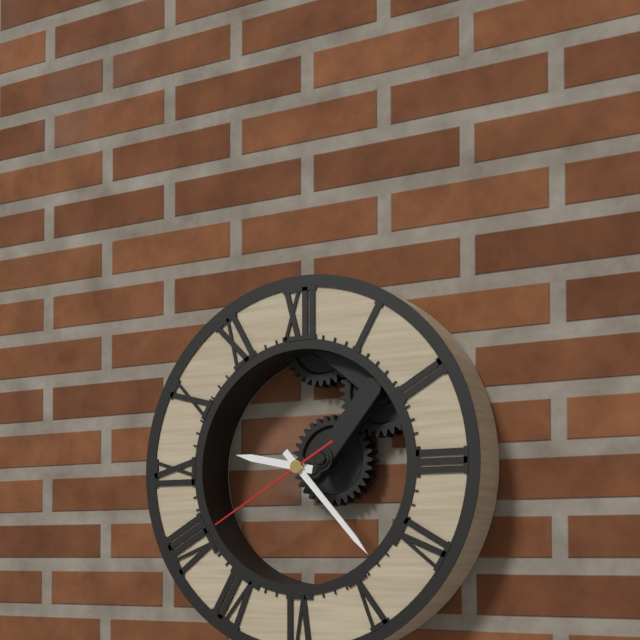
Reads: 9.23.40
